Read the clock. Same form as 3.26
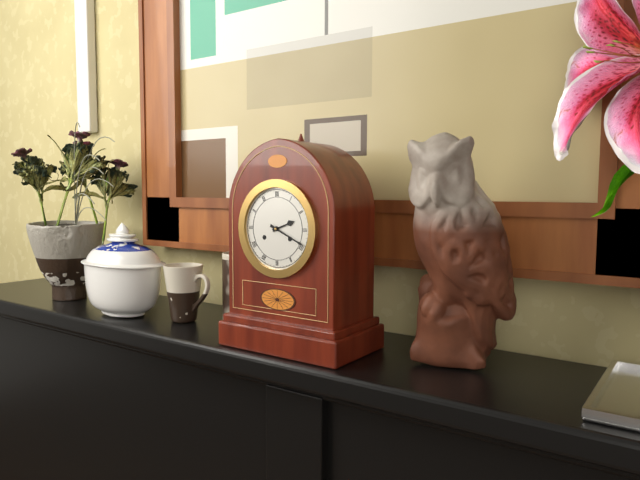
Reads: 2.19
